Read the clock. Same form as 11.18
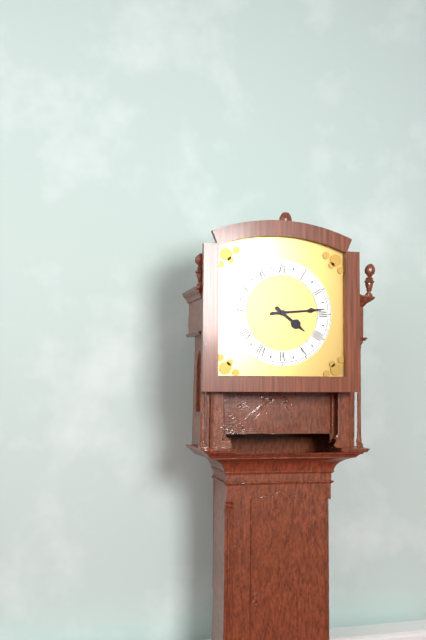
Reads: 4.14
